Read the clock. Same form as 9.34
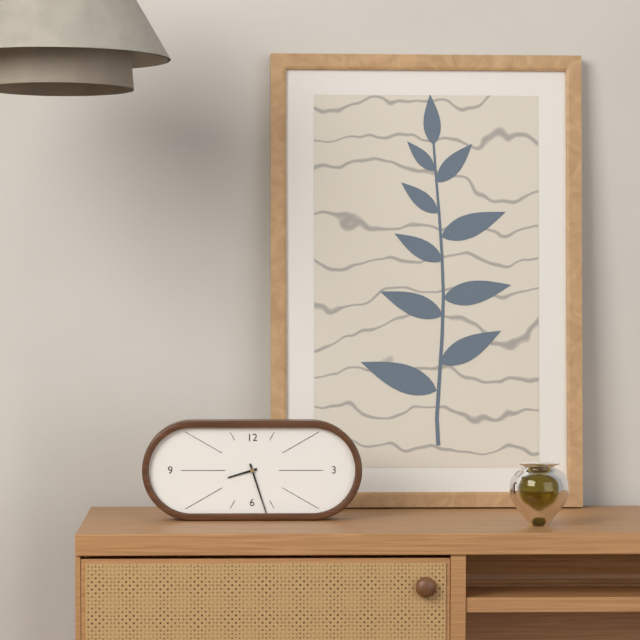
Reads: 8.27
